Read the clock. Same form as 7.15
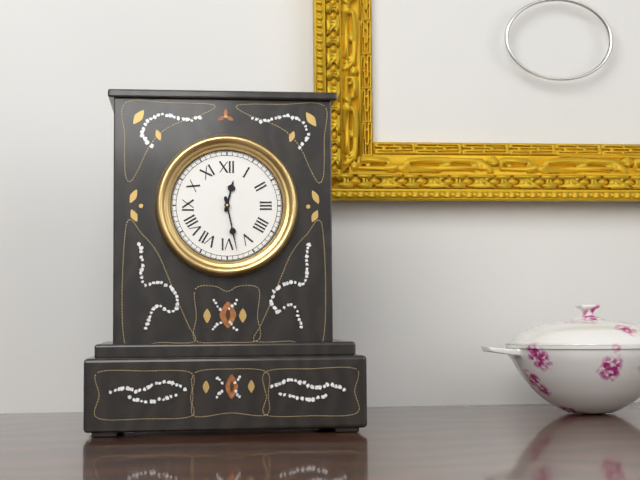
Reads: 12.28
